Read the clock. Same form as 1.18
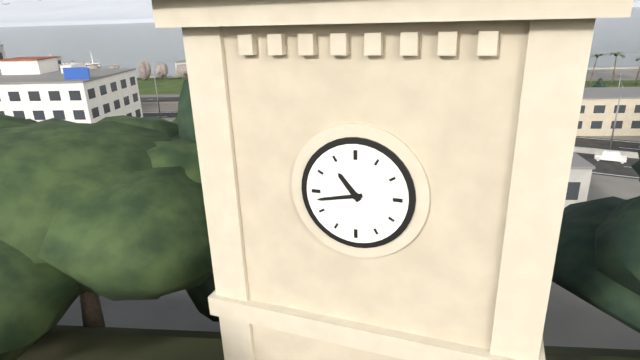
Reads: 10.43
